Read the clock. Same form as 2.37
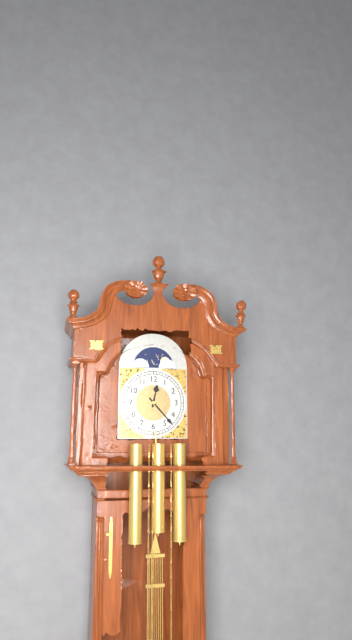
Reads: 12.23
